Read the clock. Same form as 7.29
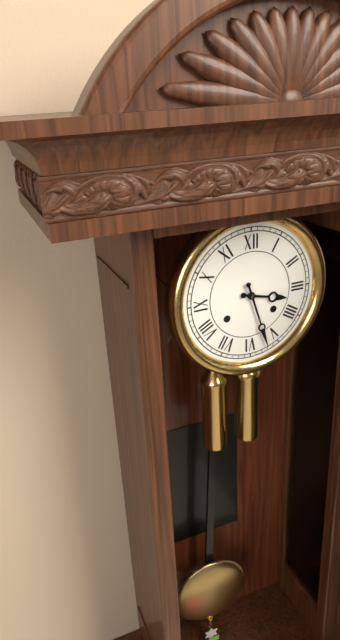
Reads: 3.27
